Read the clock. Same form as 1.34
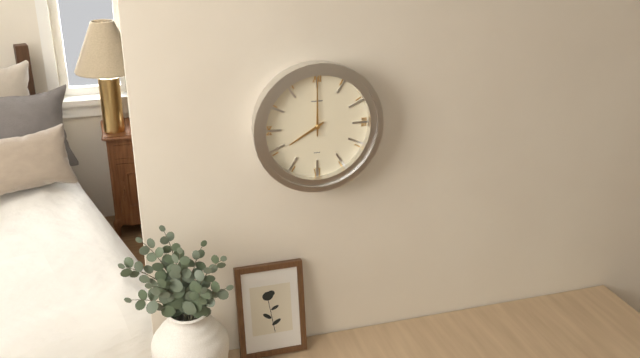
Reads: 8.00
